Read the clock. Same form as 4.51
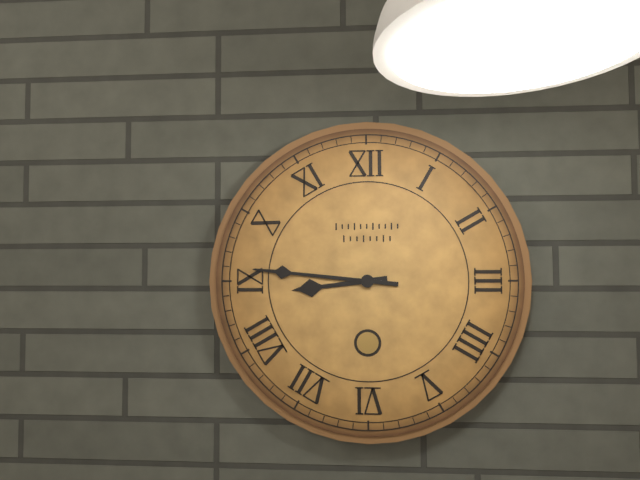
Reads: 8.46
